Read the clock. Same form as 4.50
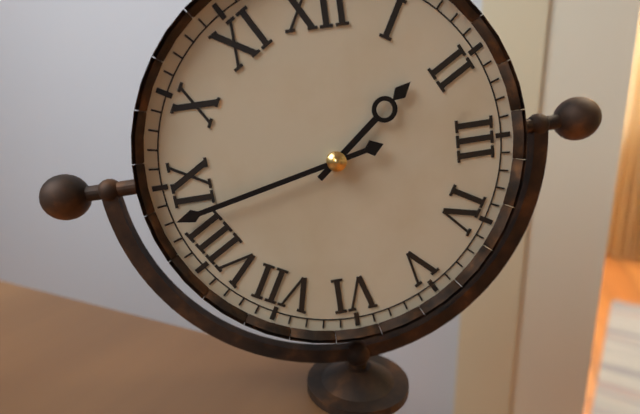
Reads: 1.43
